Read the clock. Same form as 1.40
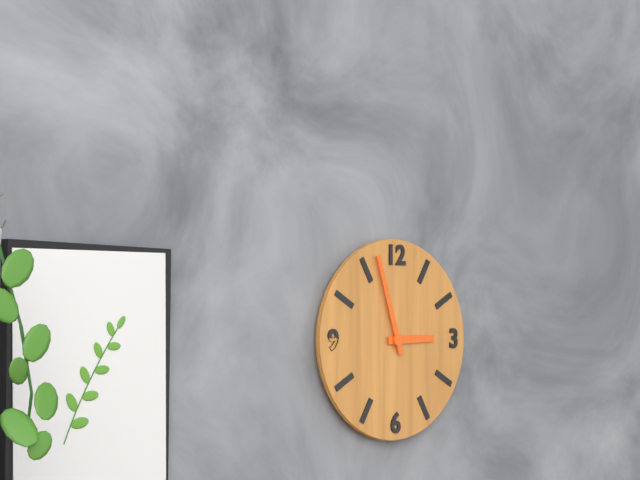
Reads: 2.57
